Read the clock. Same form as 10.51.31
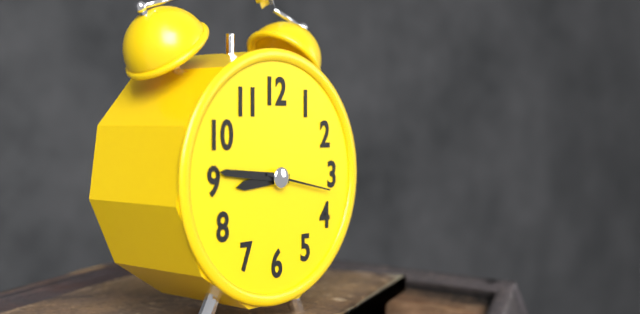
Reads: 8.46.17
